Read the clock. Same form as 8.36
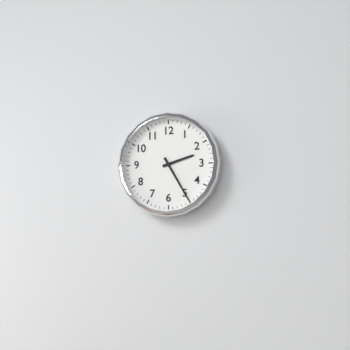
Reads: 2.25
